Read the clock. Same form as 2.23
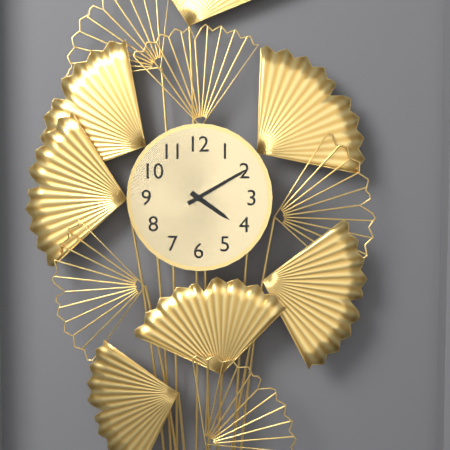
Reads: 4.10
